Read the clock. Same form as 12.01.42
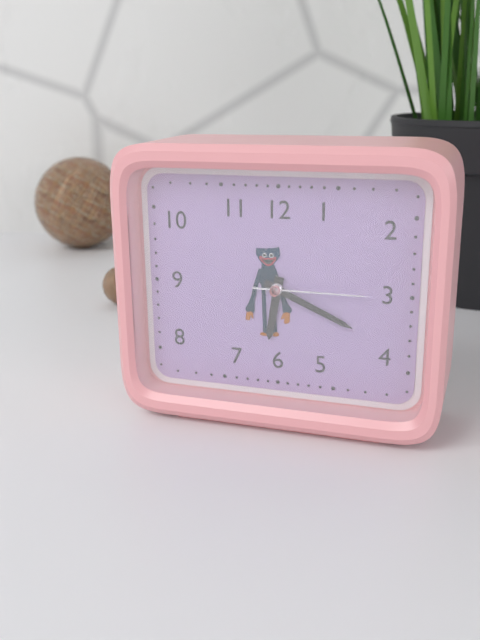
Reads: 6.19.15
